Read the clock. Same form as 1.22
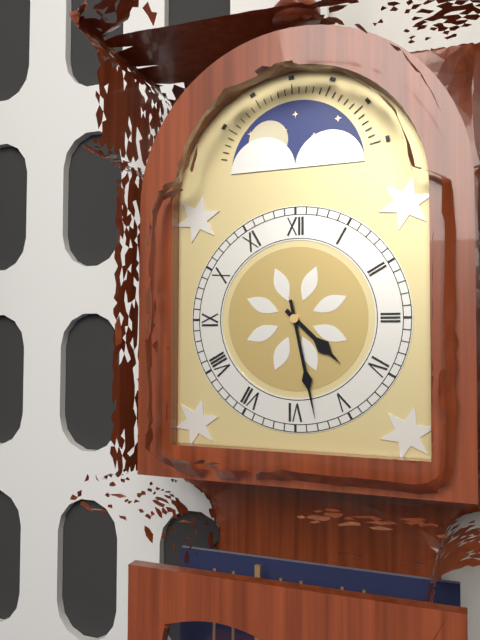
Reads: 4.28
